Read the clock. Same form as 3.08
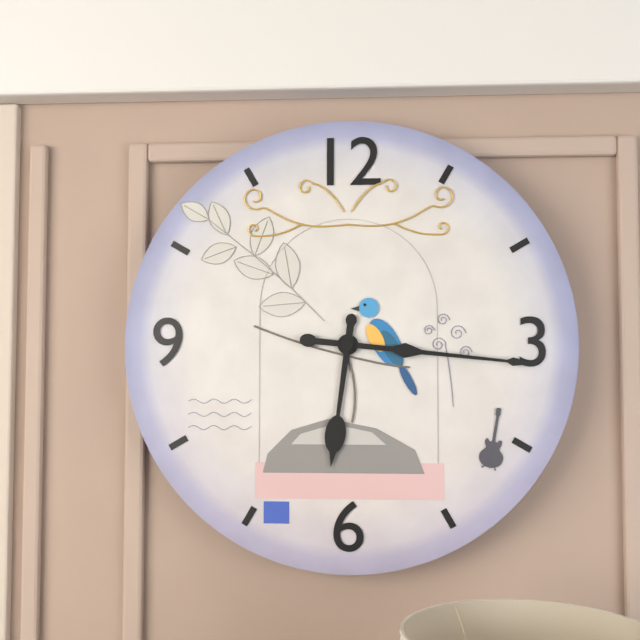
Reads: 6.16
